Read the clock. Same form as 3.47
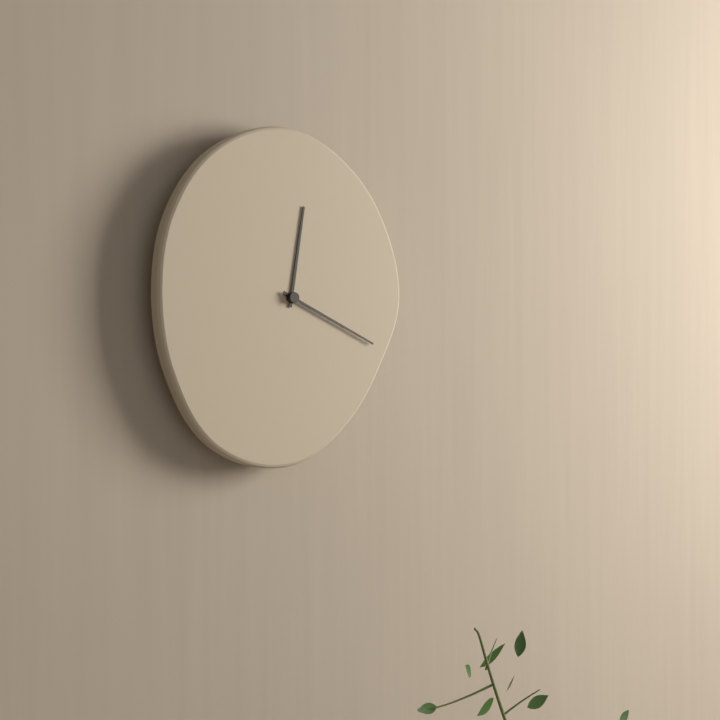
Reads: 12.19
